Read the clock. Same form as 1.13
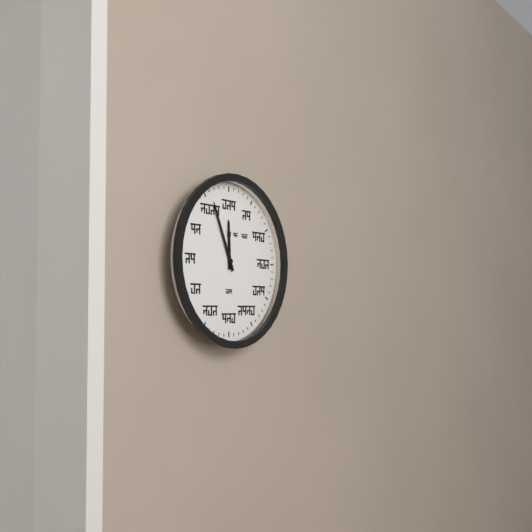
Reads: 11.56
